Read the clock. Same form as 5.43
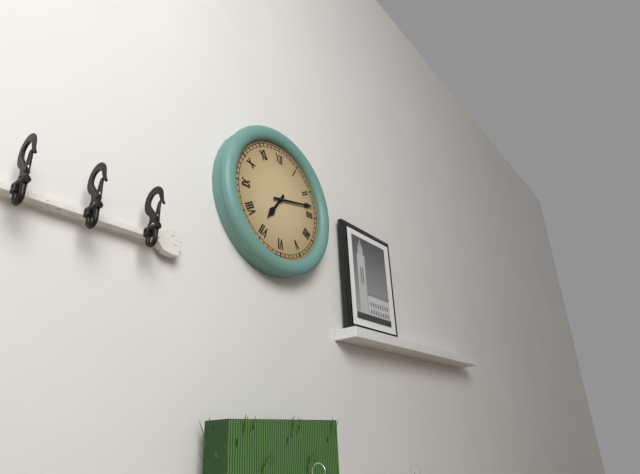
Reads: 7.13
